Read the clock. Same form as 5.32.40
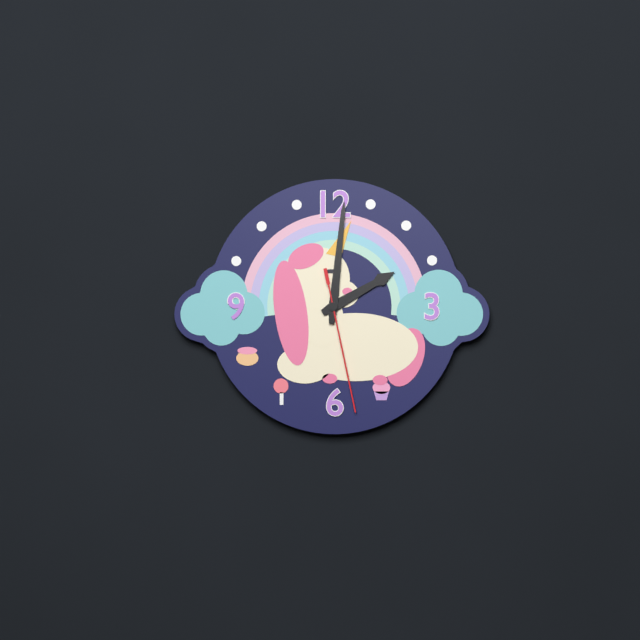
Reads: 2.01.28
